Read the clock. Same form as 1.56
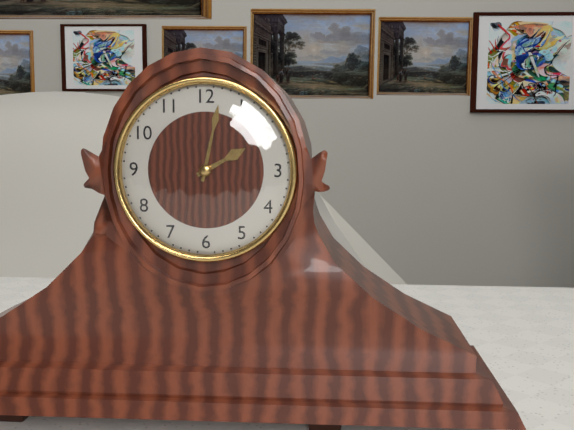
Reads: 2.02
